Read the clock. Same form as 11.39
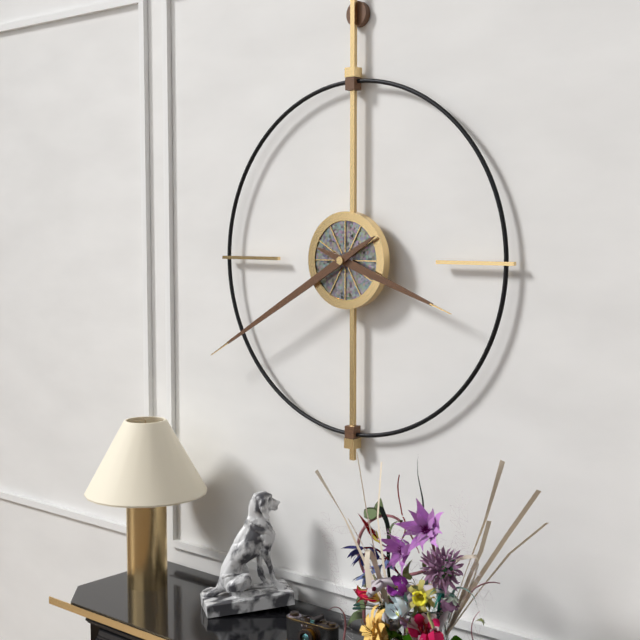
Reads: 3.40
